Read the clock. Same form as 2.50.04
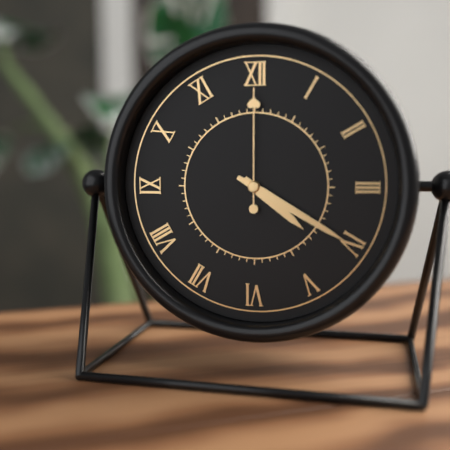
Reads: 4.20.00
